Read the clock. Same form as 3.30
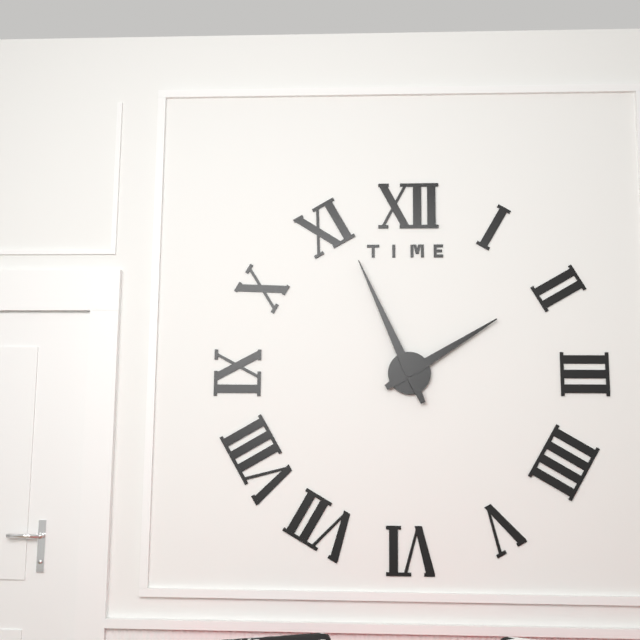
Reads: 1.56
